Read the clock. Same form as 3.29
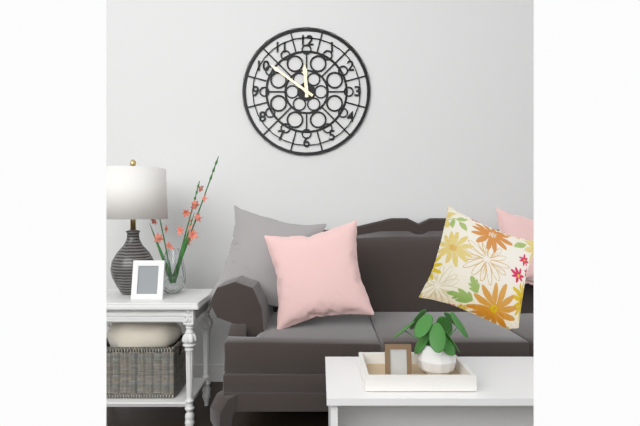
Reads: 11.51
